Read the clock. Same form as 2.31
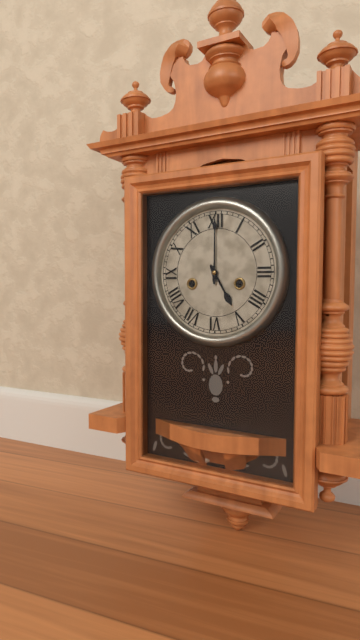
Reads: 5.00
